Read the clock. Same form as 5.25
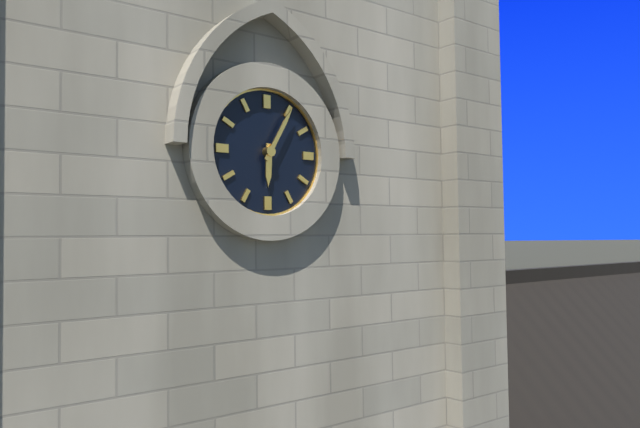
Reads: 6.05
